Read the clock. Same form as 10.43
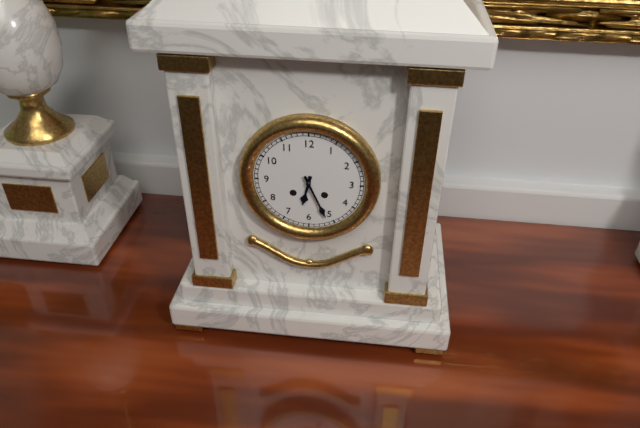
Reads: 6.26
